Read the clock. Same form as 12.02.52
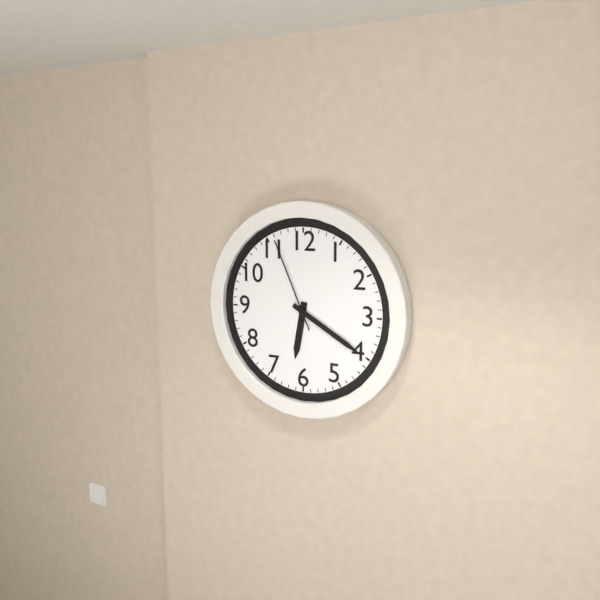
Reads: 6.20.56
